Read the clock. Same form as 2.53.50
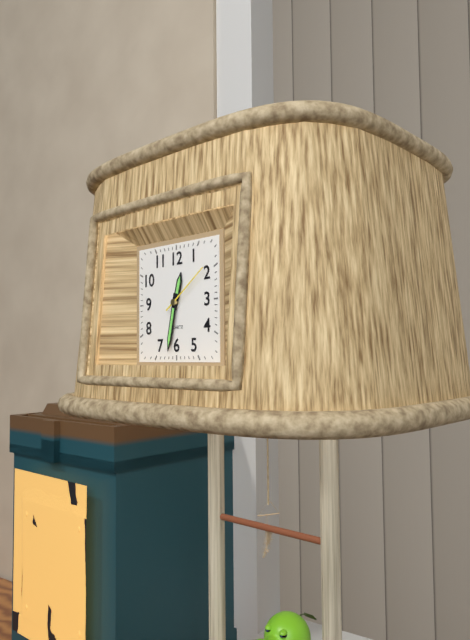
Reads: 12.32.09
